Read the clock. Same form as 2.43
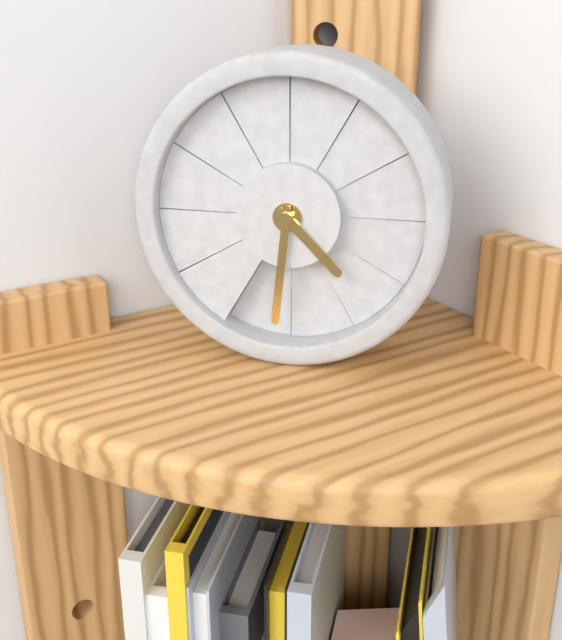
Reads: 4.31
